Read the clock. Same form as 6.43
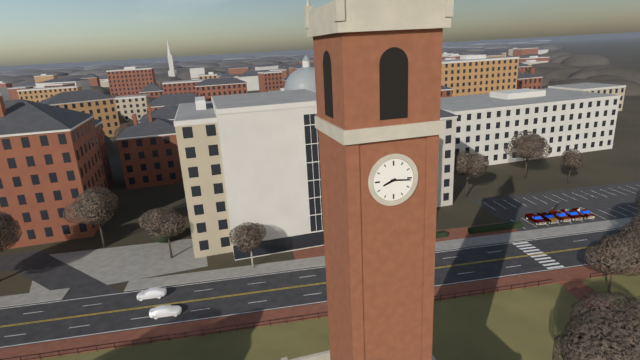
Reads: 8.16
